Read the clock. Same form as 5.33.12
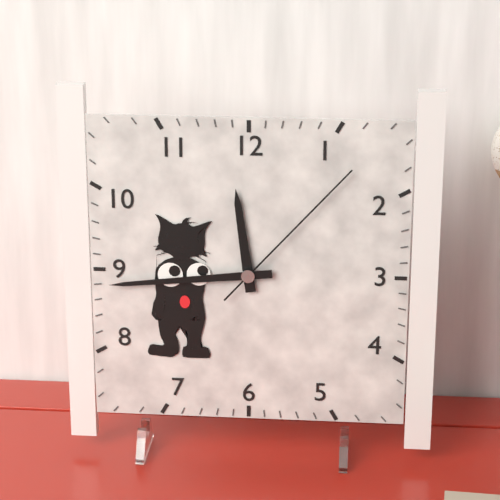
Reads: 11.44.07
